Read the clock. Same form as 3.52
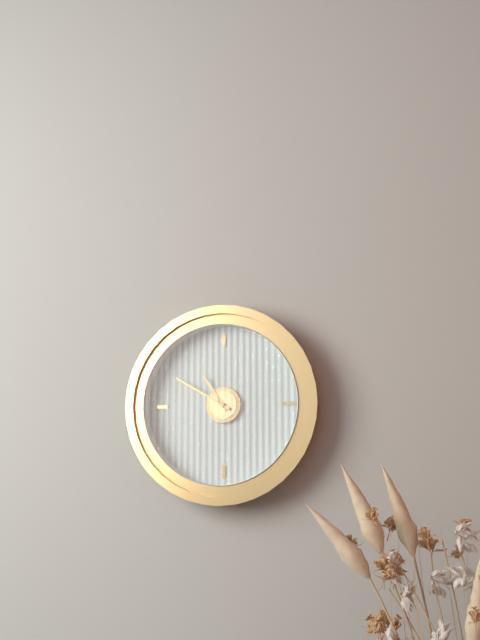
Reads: 10.50
